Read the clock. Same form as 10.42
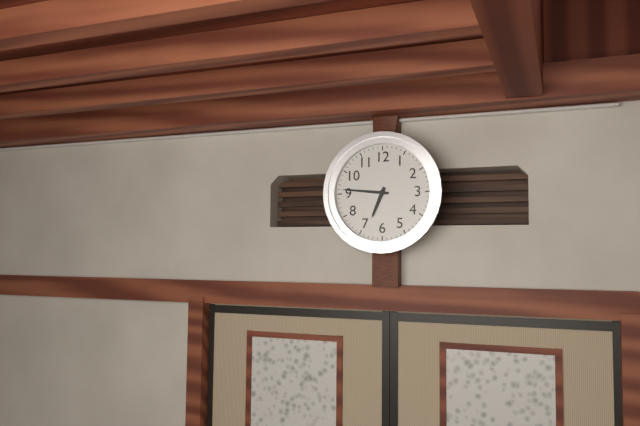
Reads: 6.46
